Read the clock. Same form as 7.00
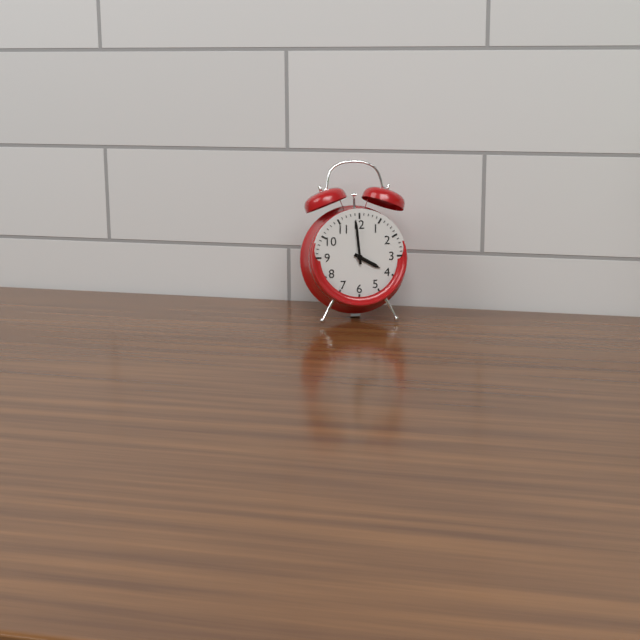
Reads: 3.59
